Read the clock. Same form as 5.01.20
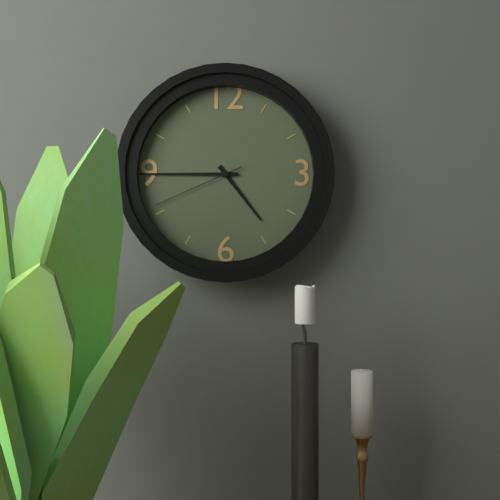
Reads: 4.45.41
